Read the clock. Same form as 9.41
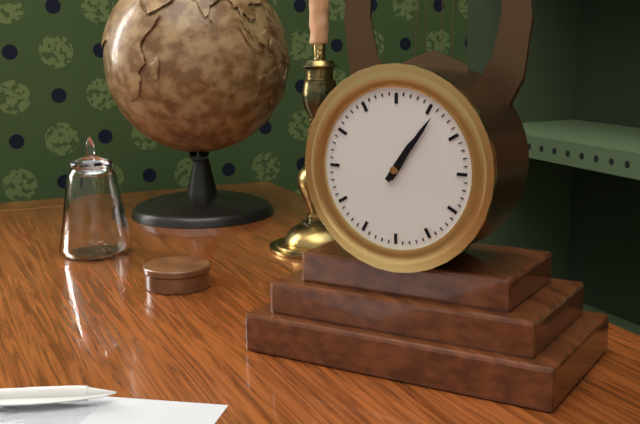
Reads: 1.06
